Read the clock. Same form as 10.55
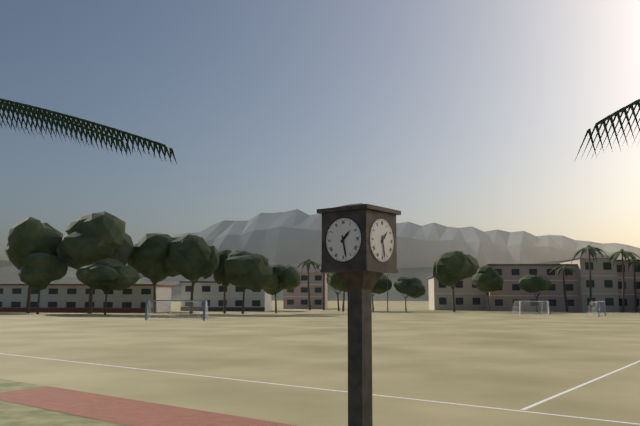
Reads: 1.28
